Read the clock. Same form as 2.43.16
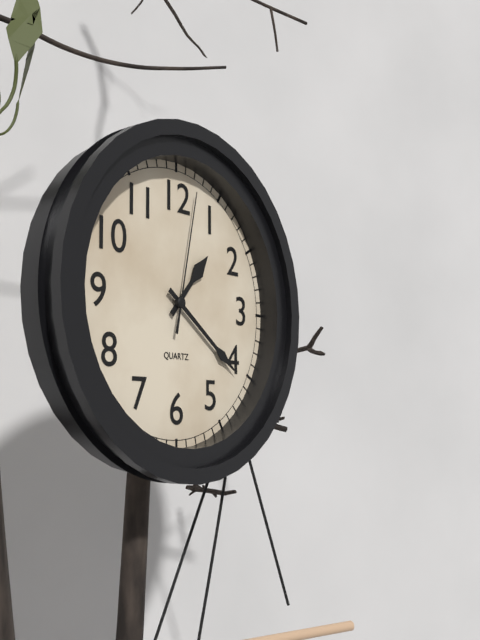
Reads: 1.21.02
